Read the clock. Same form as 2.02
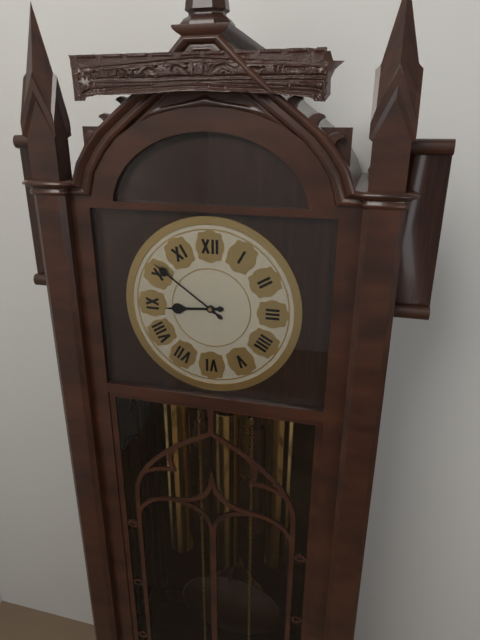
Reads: 8.51
